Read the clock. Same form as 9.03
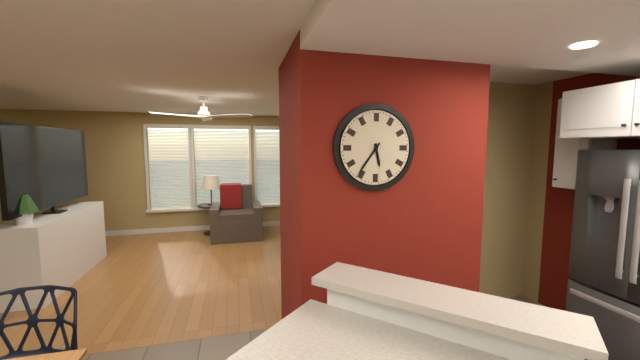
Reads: 5.36
